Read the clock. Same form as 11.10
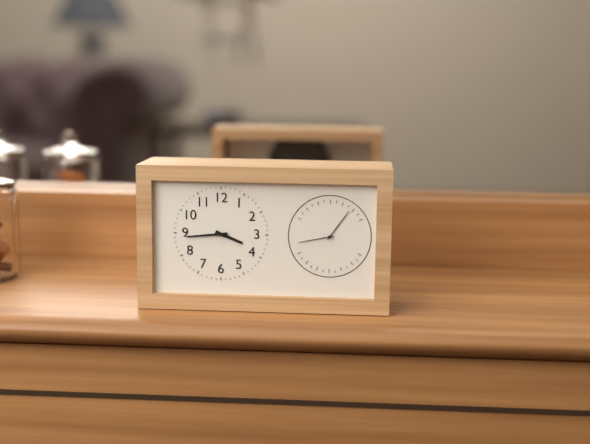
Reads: 3.44
